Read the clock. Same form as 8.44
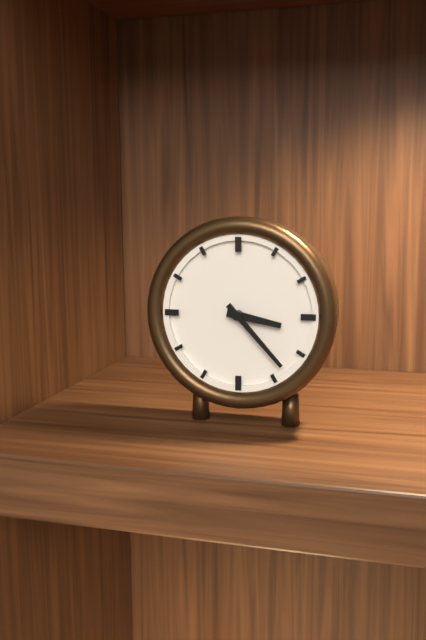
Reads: 3.23
